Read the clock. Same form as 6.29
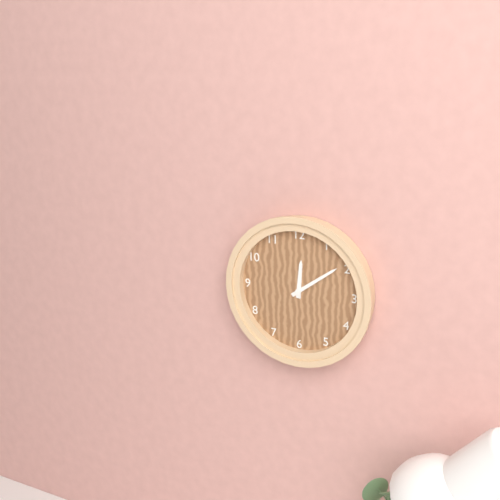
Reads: 12.09
